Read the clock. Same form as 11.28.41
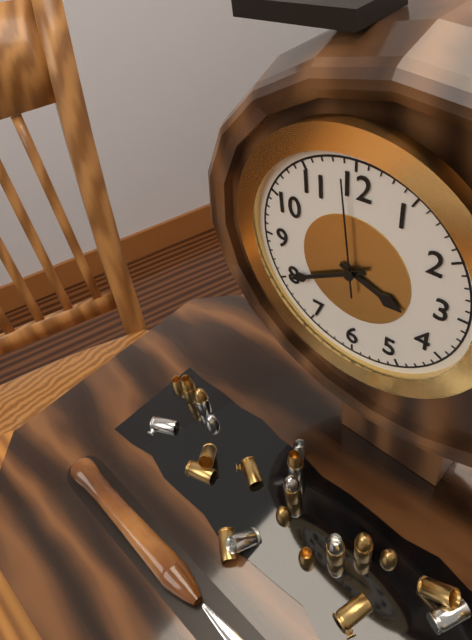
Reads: 3.40.59
